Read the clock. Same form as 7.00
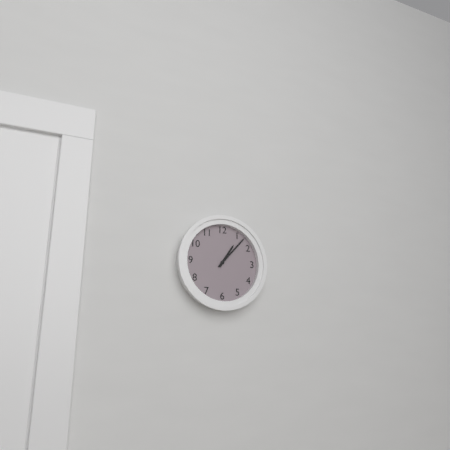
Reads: 1.07
